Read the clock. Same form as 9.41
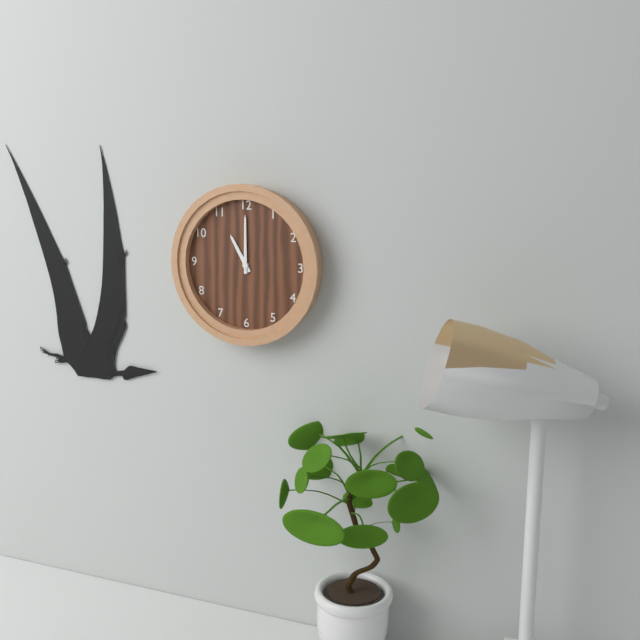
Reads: 11.00
